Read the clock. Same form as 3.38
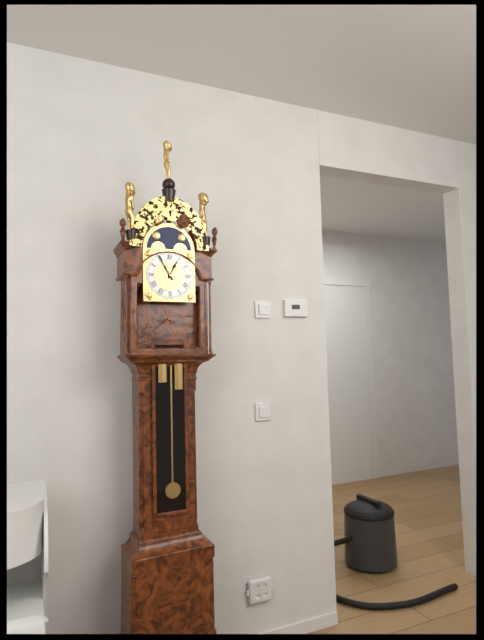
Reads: 12.55
